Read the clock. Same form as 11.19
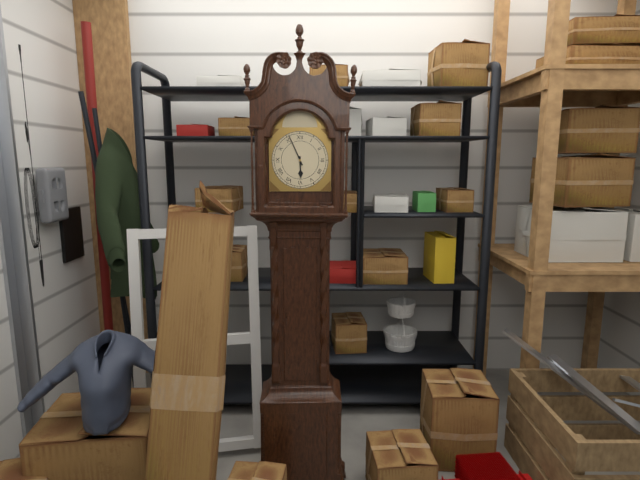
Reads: 5.56
